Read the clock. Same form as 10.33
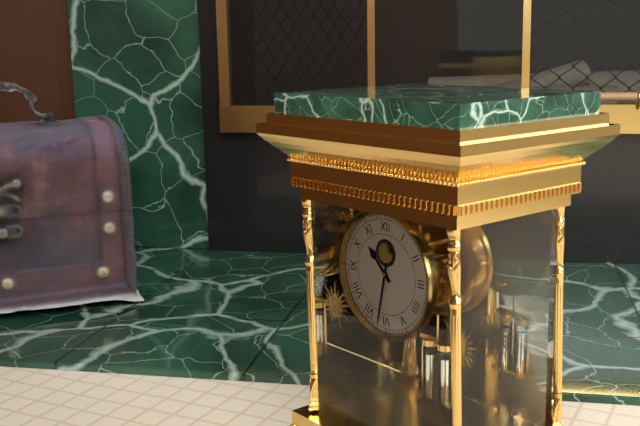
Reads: 10.32
